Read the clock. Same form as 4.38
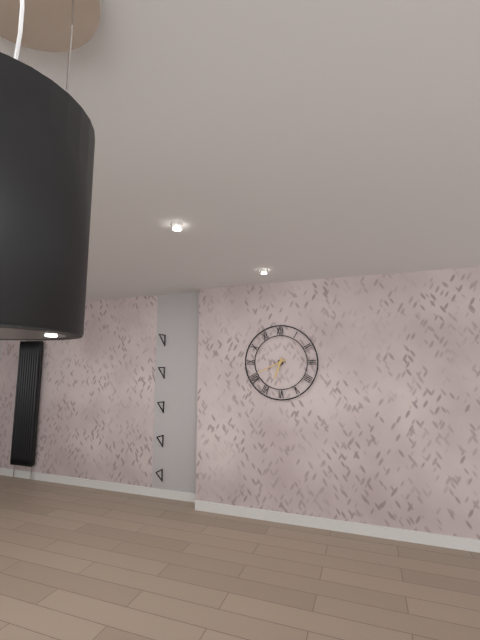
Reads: 6.41
